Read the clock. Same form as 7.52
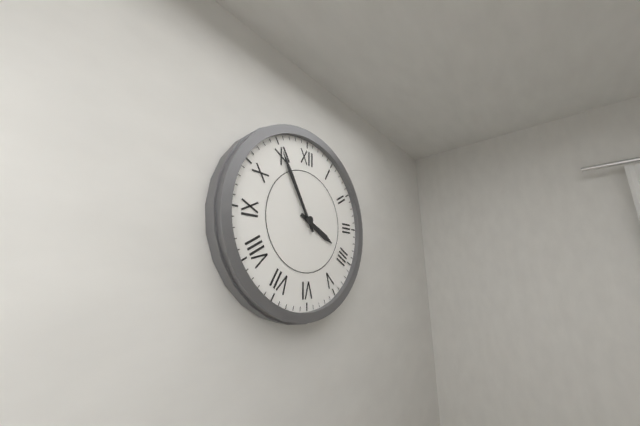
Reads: 3.55
